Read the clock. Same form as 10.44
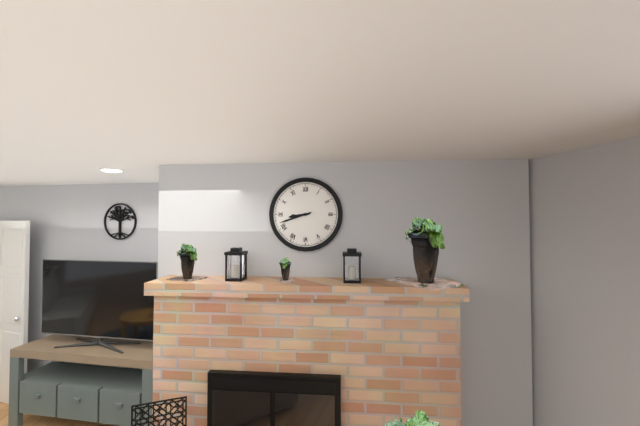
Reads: 8.42
